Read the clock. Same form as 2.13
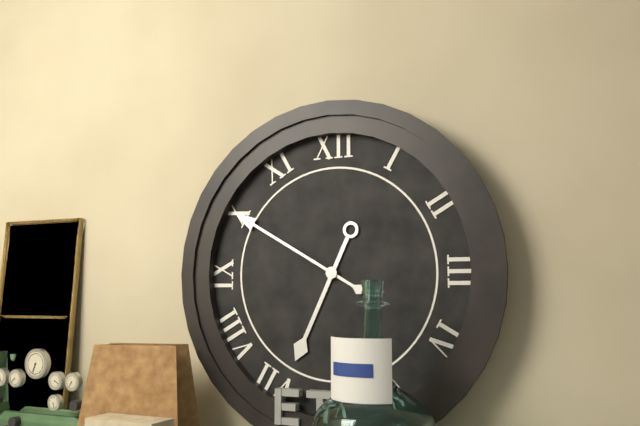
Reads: 6.50
